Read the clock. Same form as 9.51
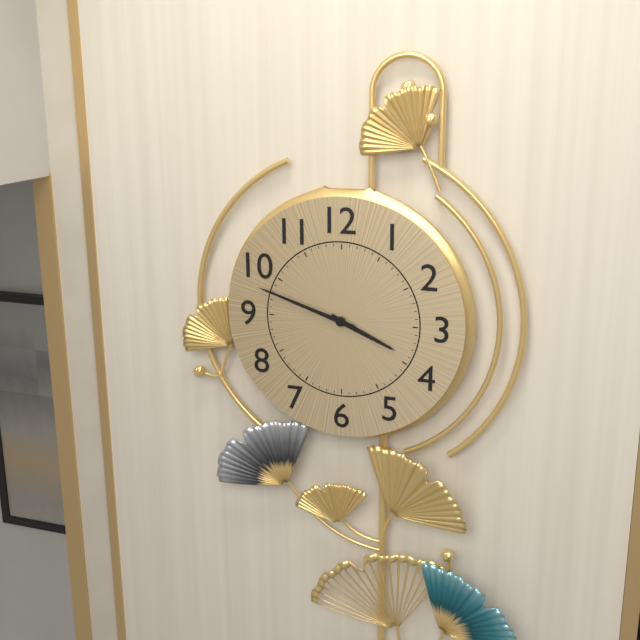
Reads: 3.48
